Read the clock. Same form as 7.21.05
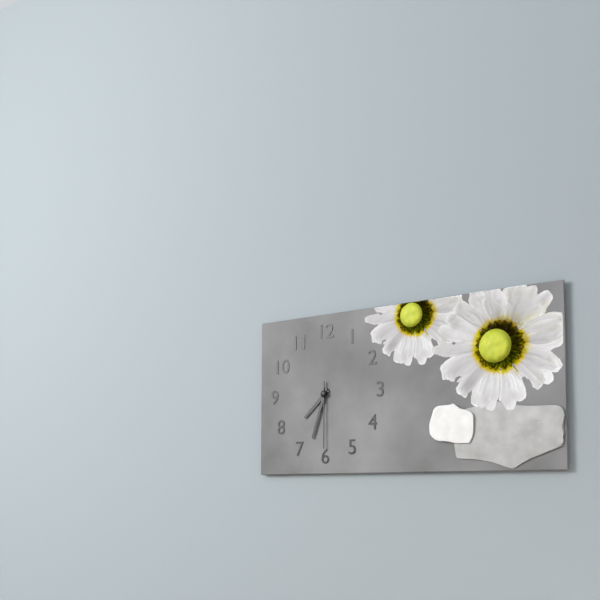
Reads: 7.33.30
